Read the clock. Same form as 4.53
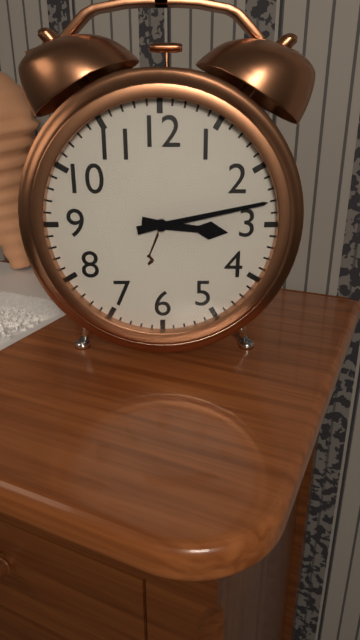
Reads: 3.13
